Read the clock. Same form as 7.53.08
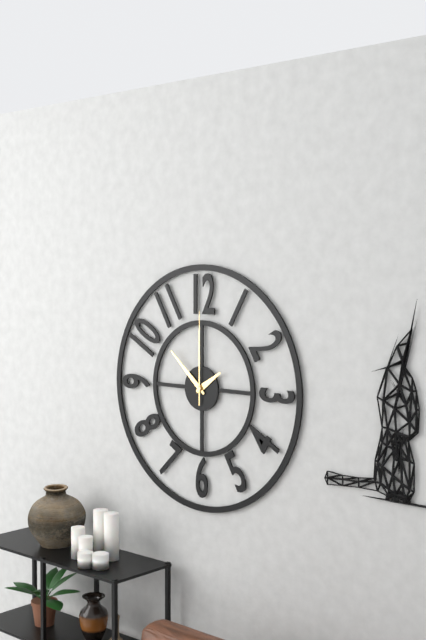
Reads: 1.52.00
